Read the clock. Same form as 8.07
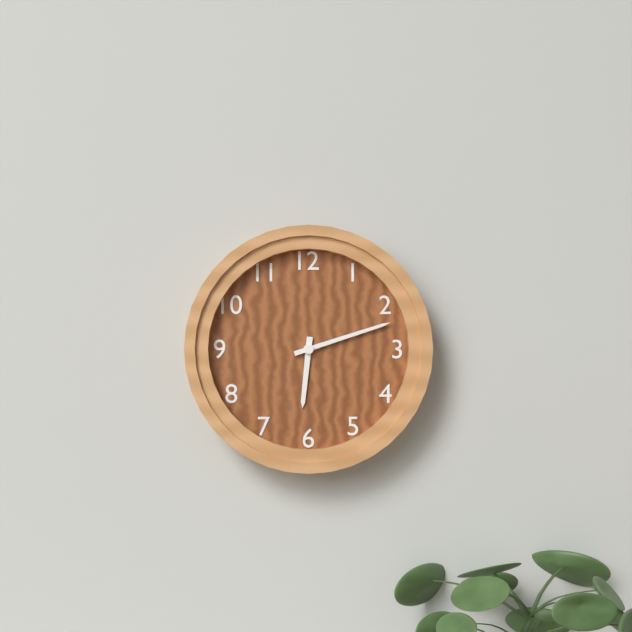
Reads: 6.12
